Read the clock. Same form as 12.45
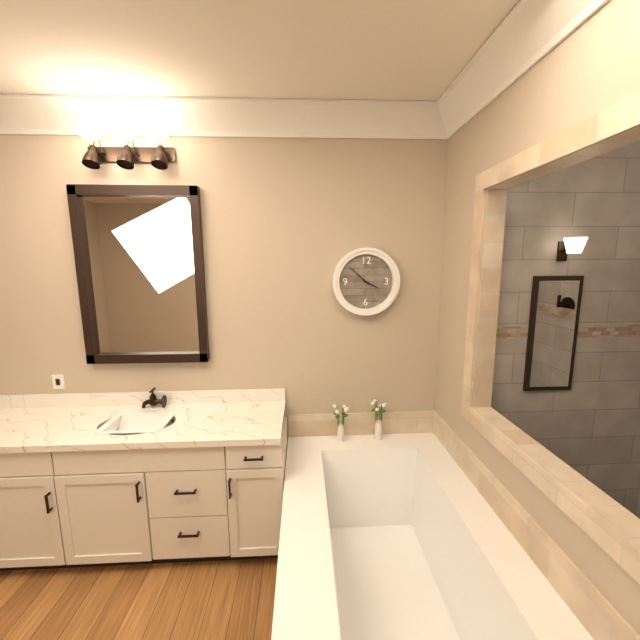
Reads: 3.52
